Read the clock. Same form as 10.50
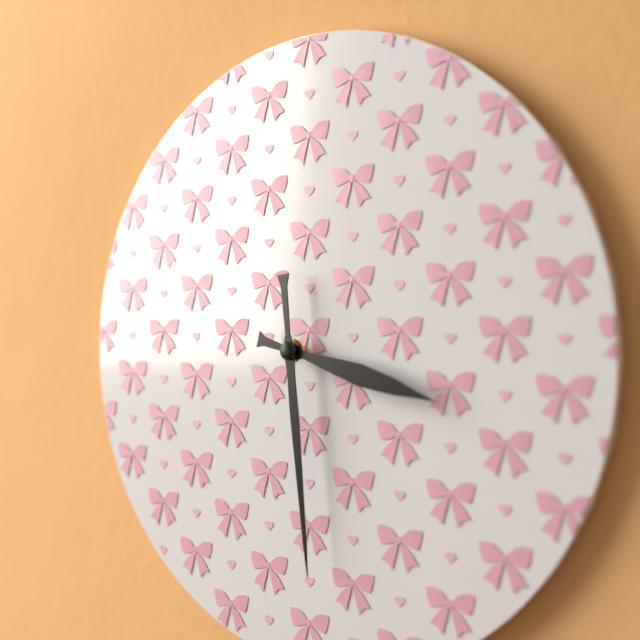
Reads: 3.29
